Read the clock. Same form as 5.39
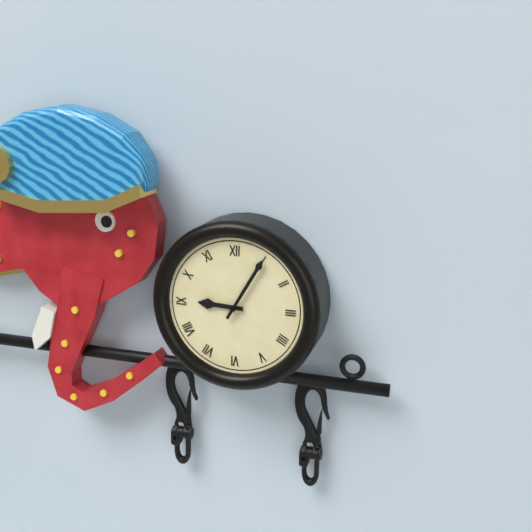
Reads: 9.05
